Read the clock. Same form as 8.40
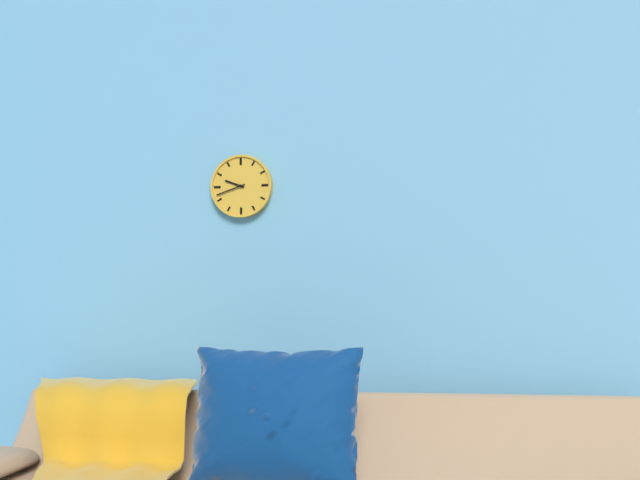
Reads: 9.42
